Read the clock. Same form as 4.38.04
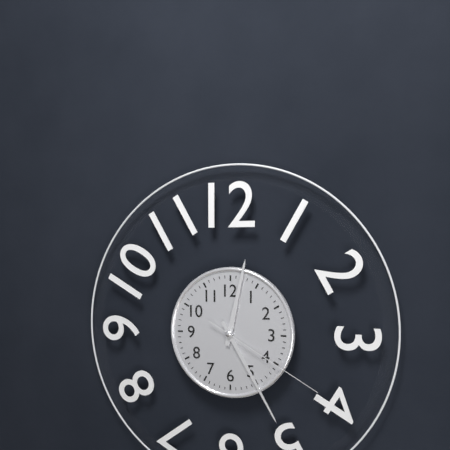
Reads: 12.25.20
